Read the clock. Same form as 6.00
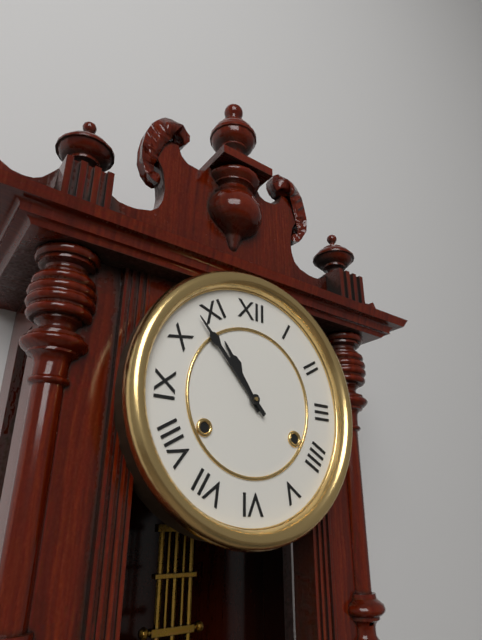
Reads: 10.53
